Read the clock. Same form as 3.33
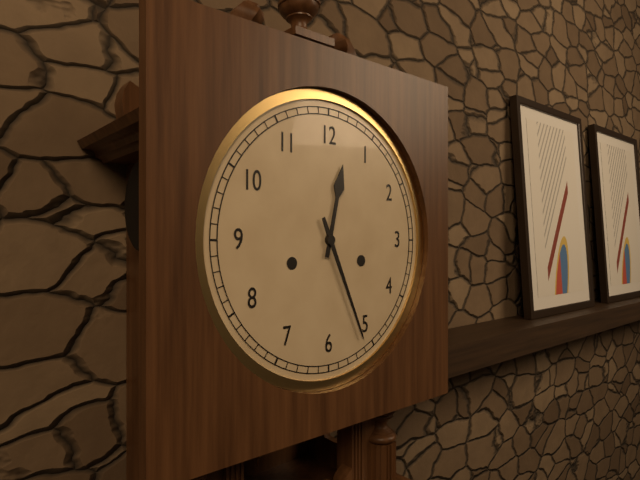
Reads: 12.26
